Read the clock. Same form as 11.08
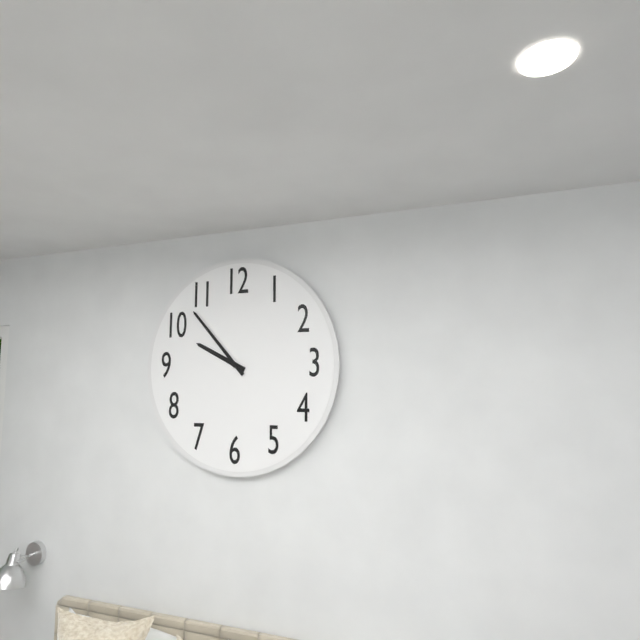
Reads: 9.53
